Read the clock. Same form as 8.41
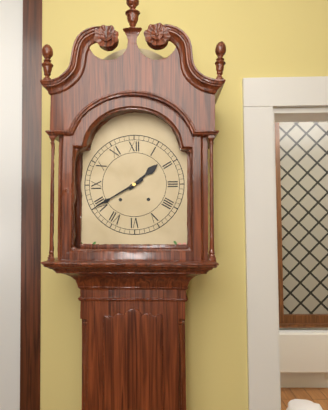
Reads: 1.40
